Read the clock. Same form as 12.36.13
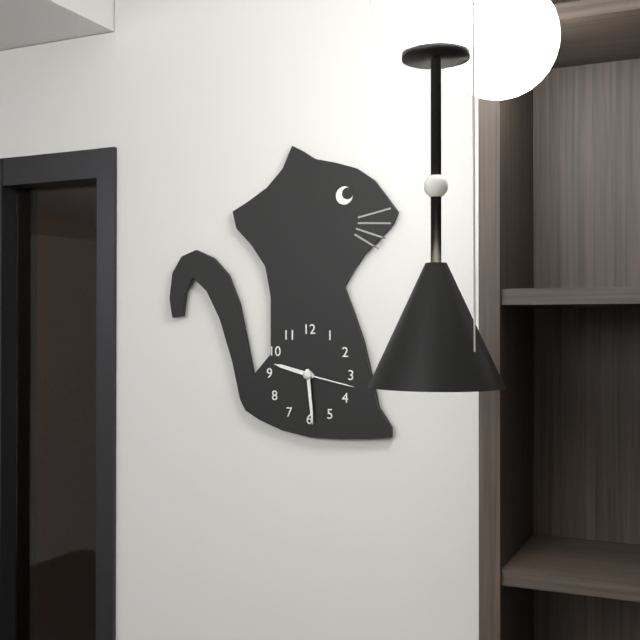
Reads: 9.29.17
